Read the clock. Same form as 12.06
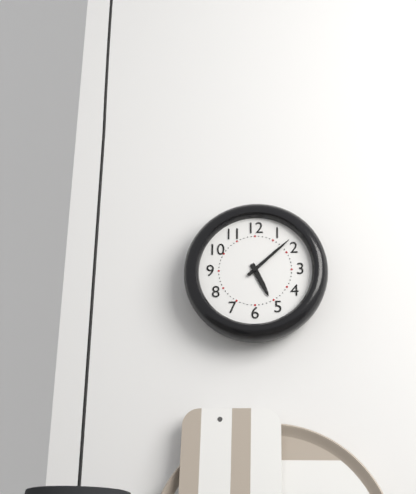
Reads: 5.08
